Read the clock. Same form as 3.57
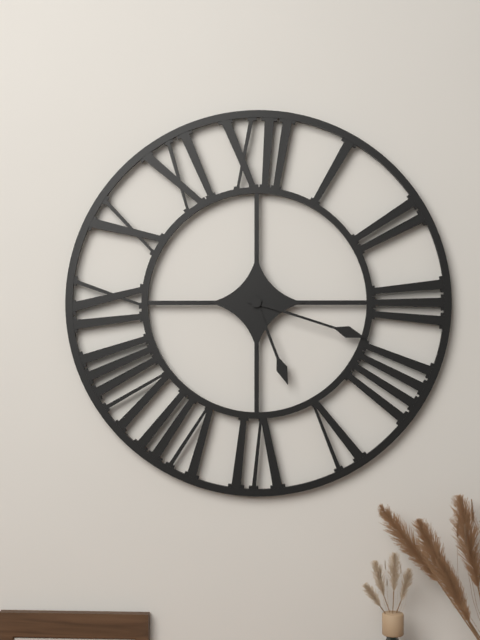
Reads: 5.18
